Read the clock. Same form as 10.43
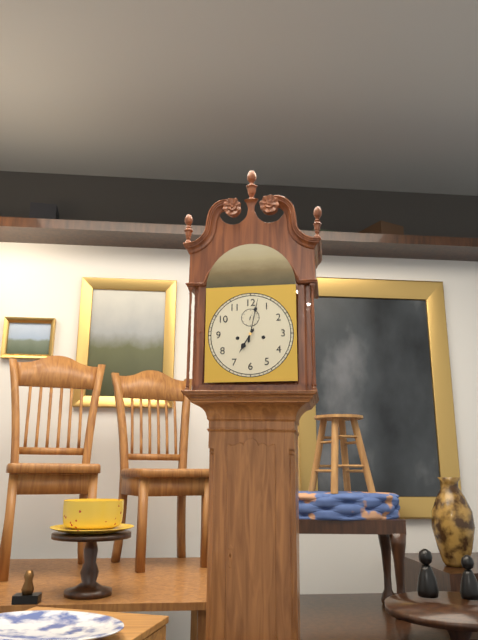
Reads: 7.02
